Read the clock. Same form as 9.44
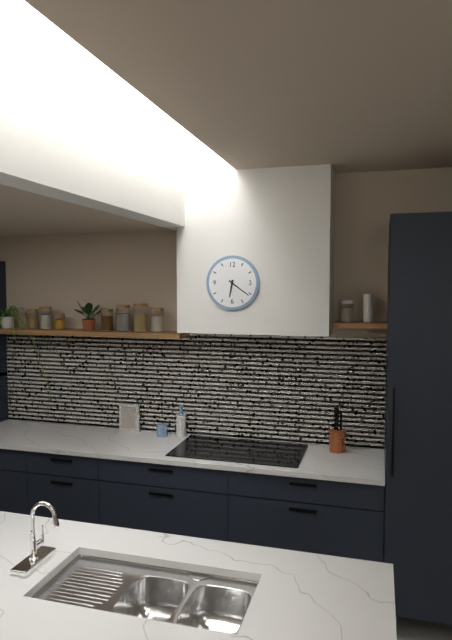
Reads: 6.21
